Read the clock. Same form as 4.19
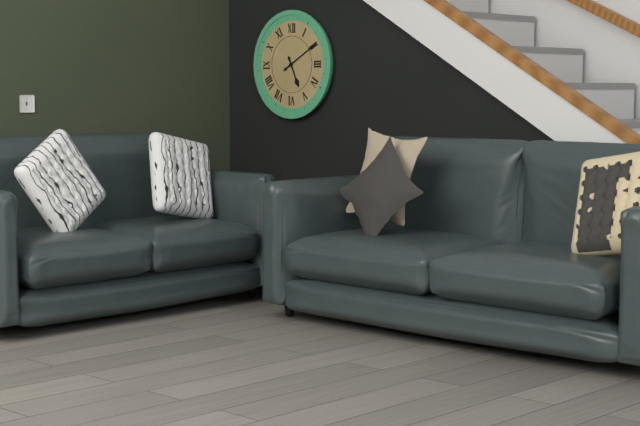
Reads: 5.10
